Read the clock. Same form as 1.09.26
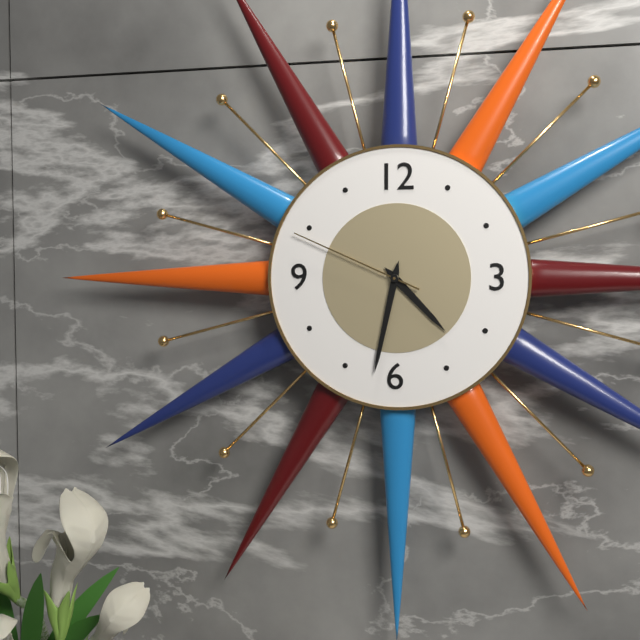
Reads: 4.32.49
